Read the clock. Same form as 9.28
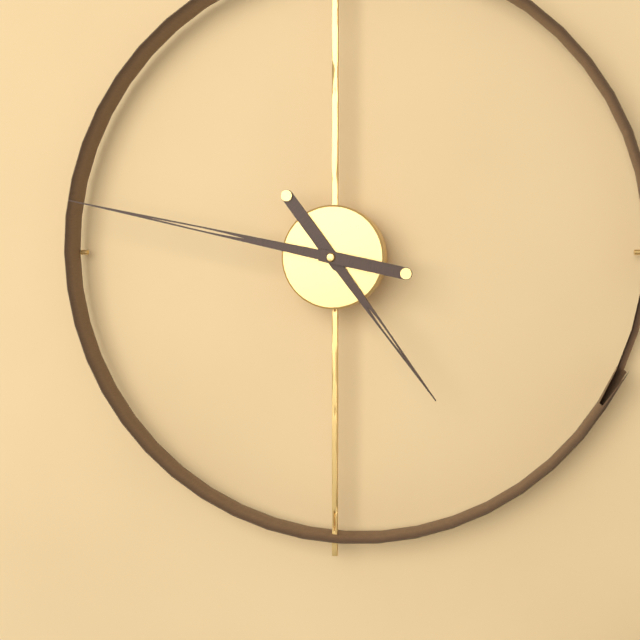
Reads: 4.47
